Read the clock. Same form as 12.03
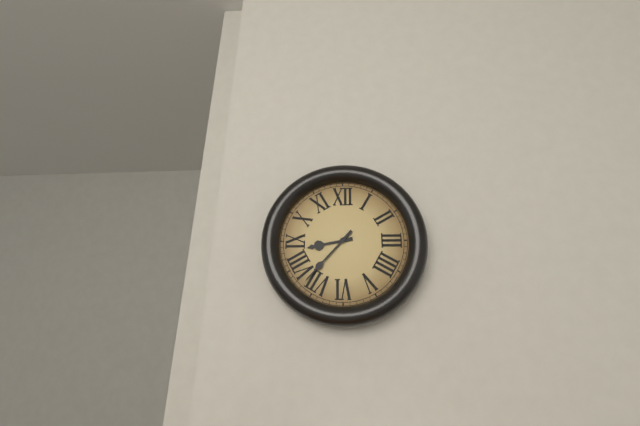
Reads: 8.37
